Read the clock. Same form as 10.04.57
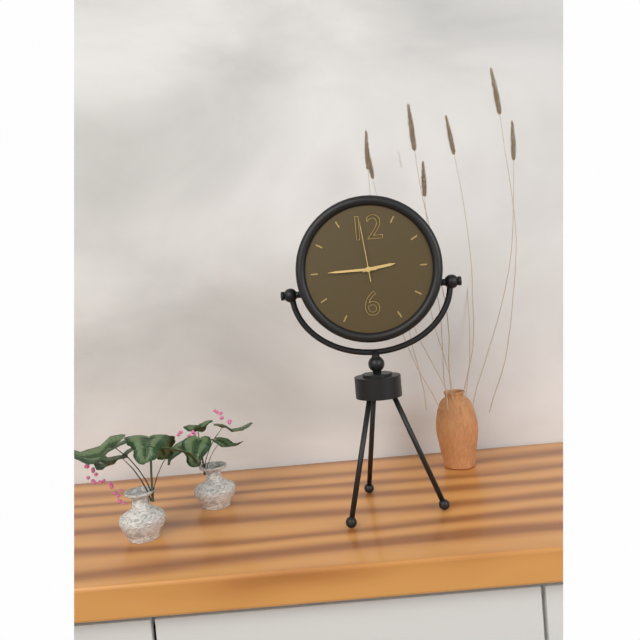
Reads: 2.45.59
